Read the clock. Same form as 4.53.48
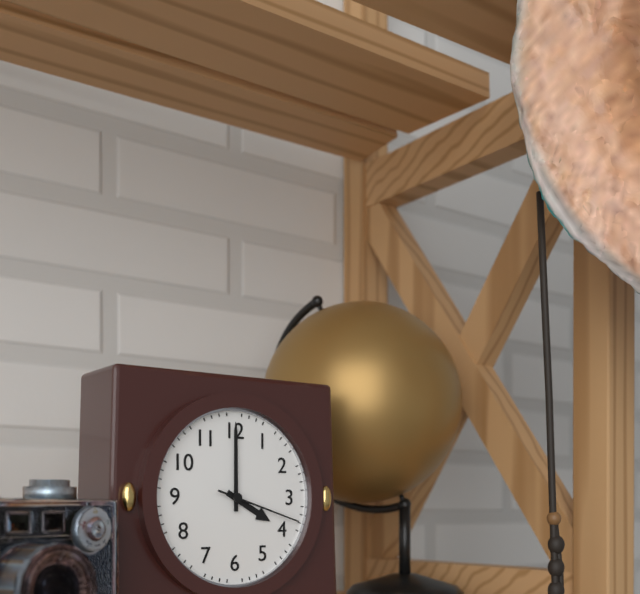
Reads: 4.00.18
